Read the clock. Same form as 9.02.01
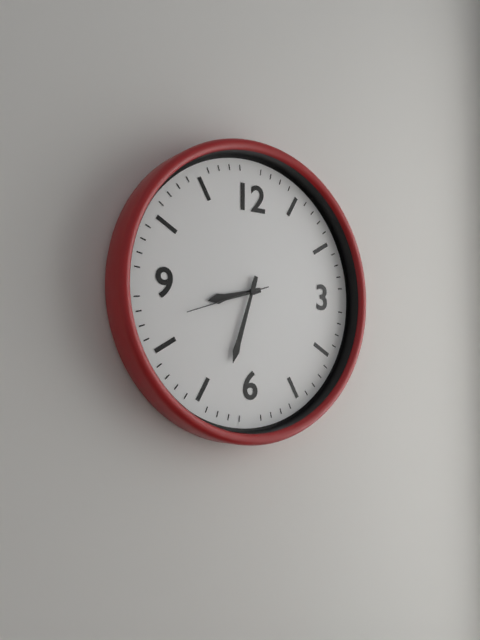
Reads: 8.33.42
